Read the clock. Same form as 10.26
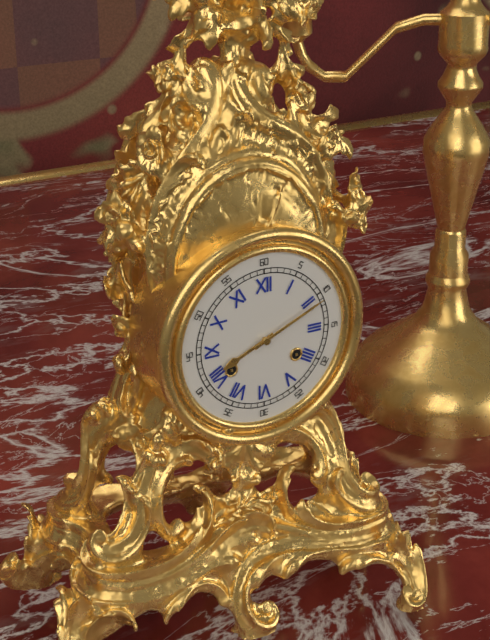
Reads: 8.11
